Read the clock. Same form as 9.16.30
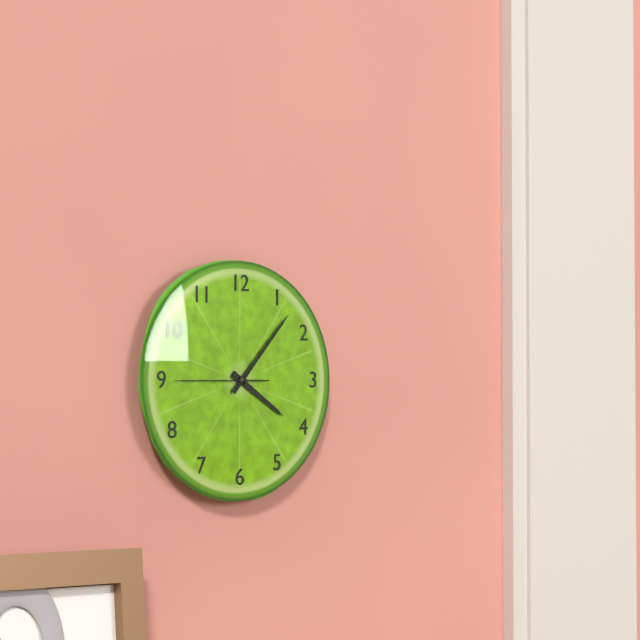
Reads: 4.07.45
